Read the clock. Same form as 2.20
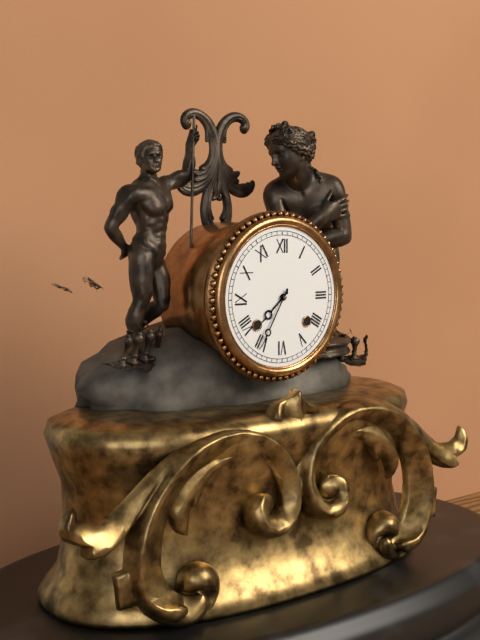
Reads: 7.35
